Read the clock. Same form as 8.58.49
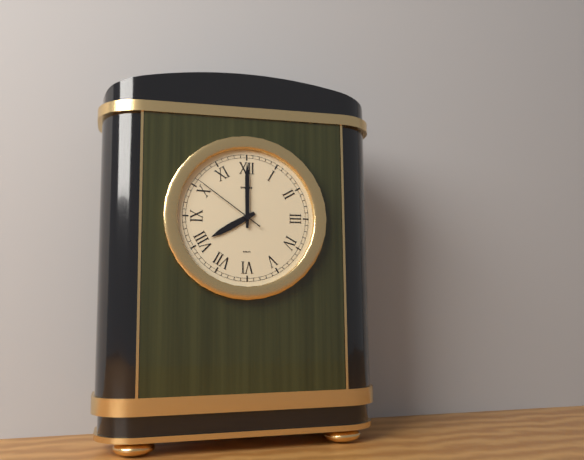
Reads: 8.00.51
